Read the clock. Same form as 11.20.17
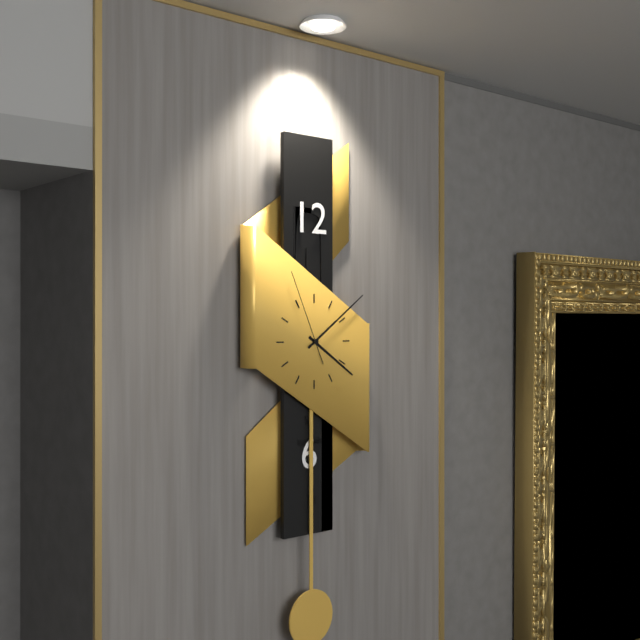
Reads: 4.09.56
